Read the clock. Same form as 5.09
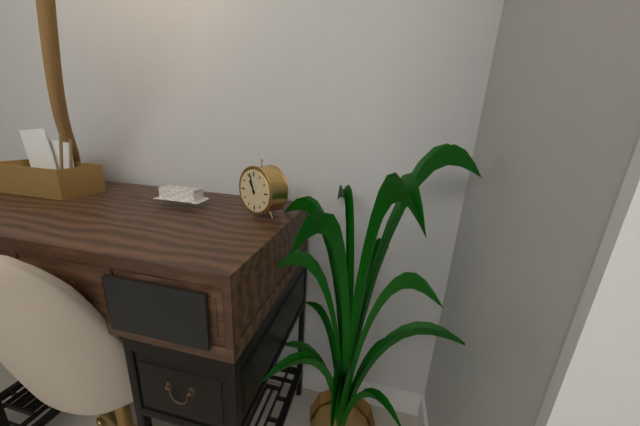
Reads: 10.57
